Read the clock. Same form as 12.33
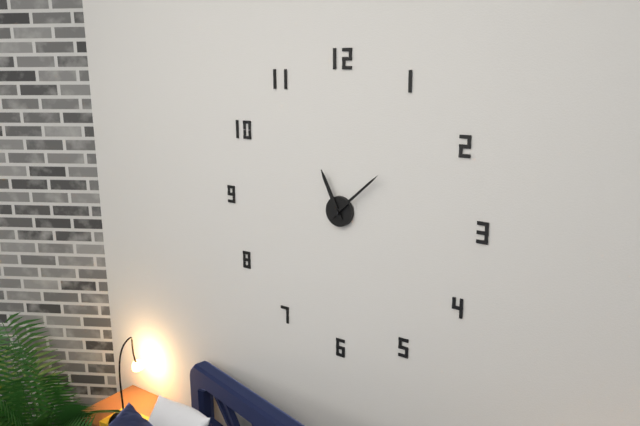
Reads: 11.08
